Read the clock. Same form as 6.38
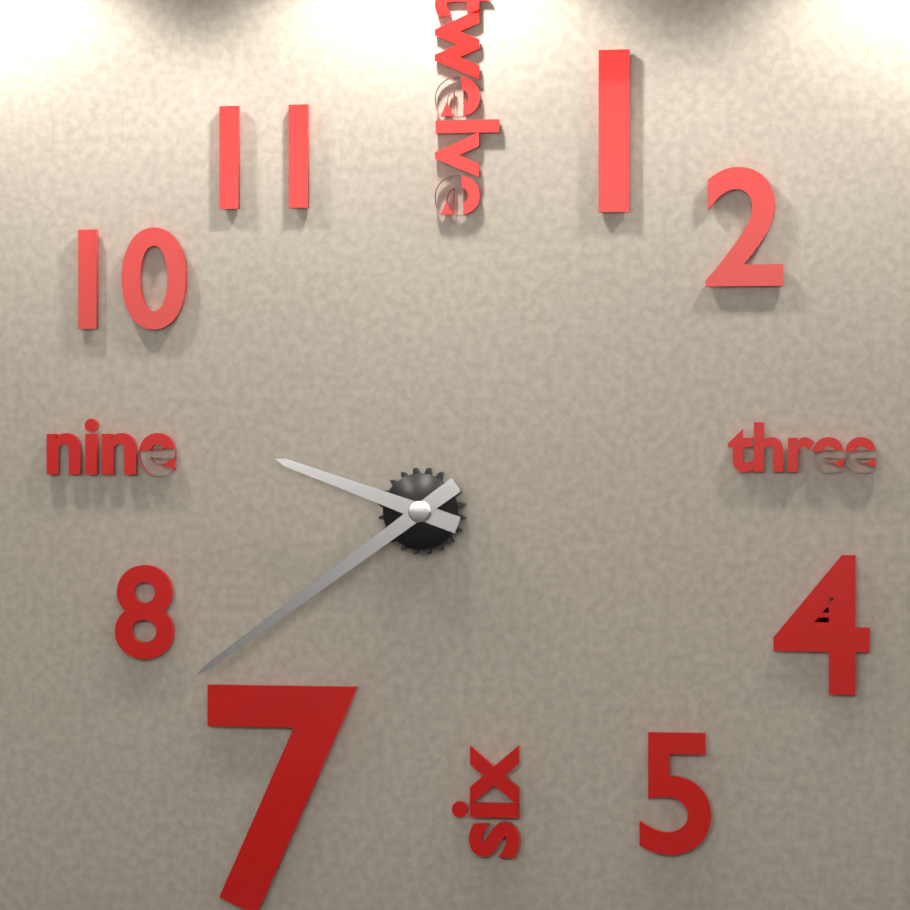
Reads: 9.39
